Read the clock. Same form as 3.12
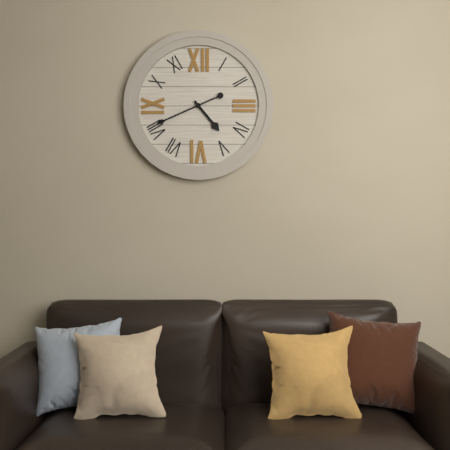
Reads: 4.41
